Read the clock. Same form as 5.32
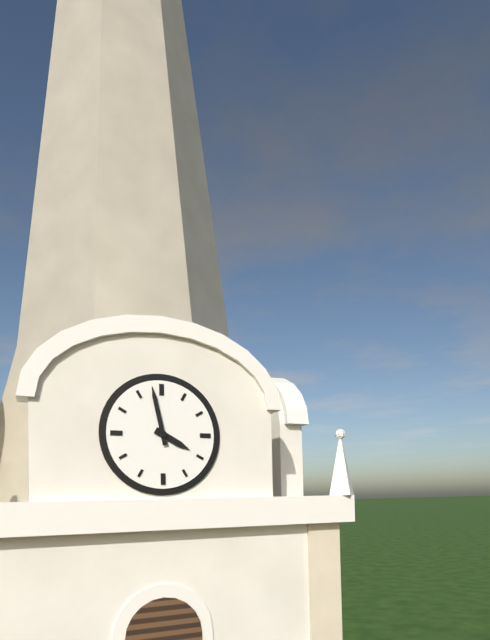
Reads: 3.58
